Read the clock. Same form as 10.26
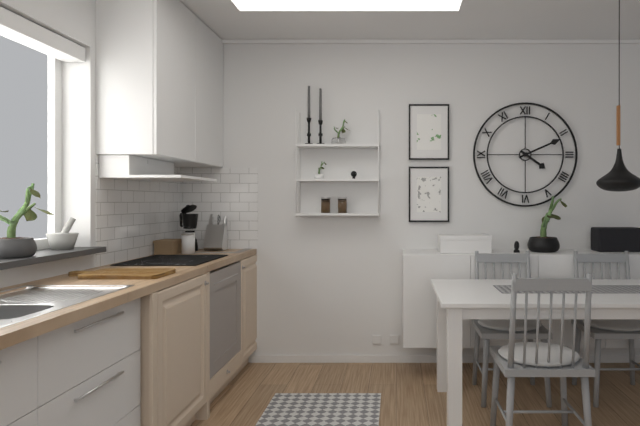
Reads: 4.11
